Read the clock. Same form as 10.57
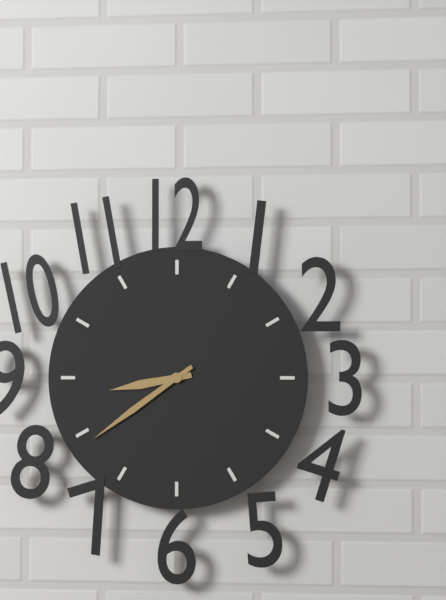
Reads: 8.39
